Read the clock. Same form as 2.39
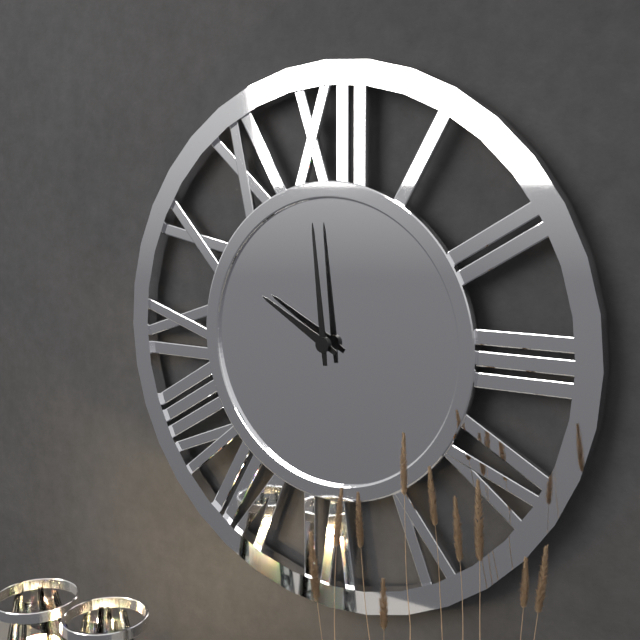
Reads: 9.59
